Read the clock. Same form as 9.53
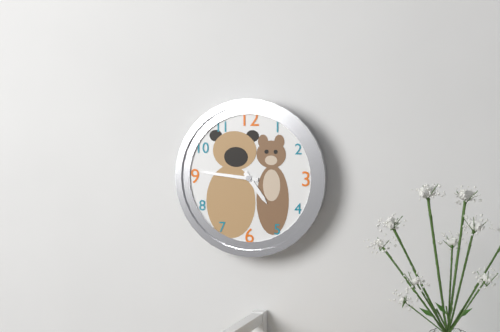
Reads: 4.46
